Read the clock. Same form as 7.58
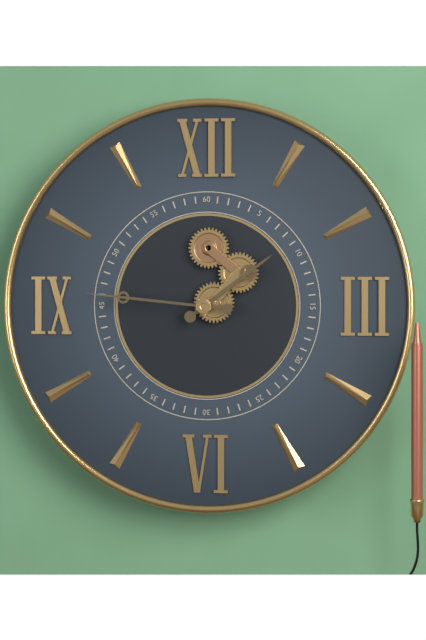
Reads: 1.46
